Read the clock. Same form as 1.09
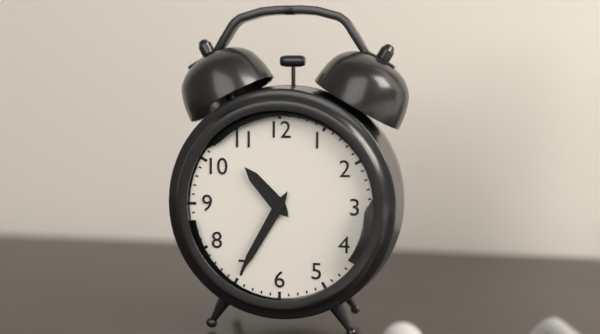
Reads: 10.35
